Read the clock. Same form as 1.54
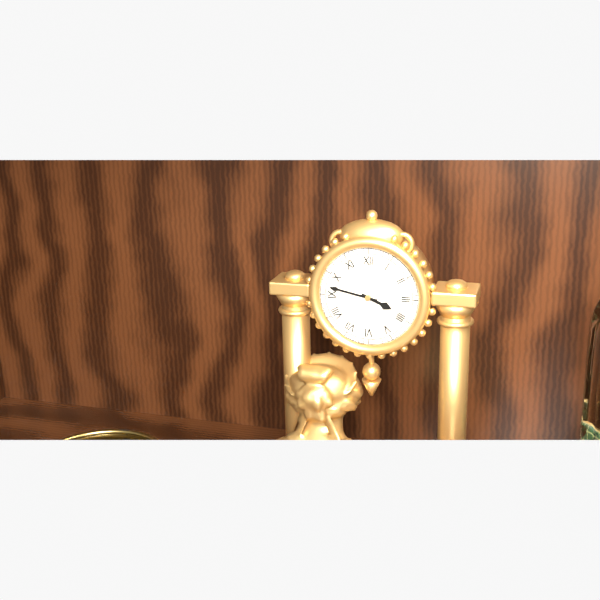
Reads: 3.47
